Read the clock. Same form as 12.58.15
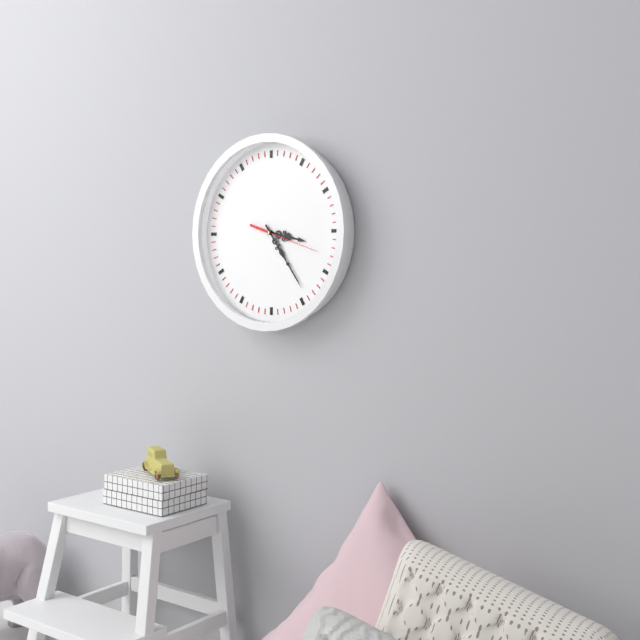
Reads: 3.24.18
